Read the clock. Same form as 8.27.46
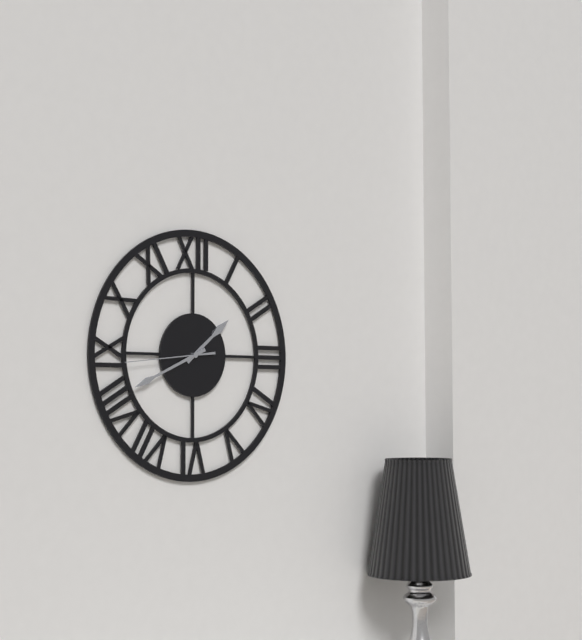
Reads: 1.41.44
